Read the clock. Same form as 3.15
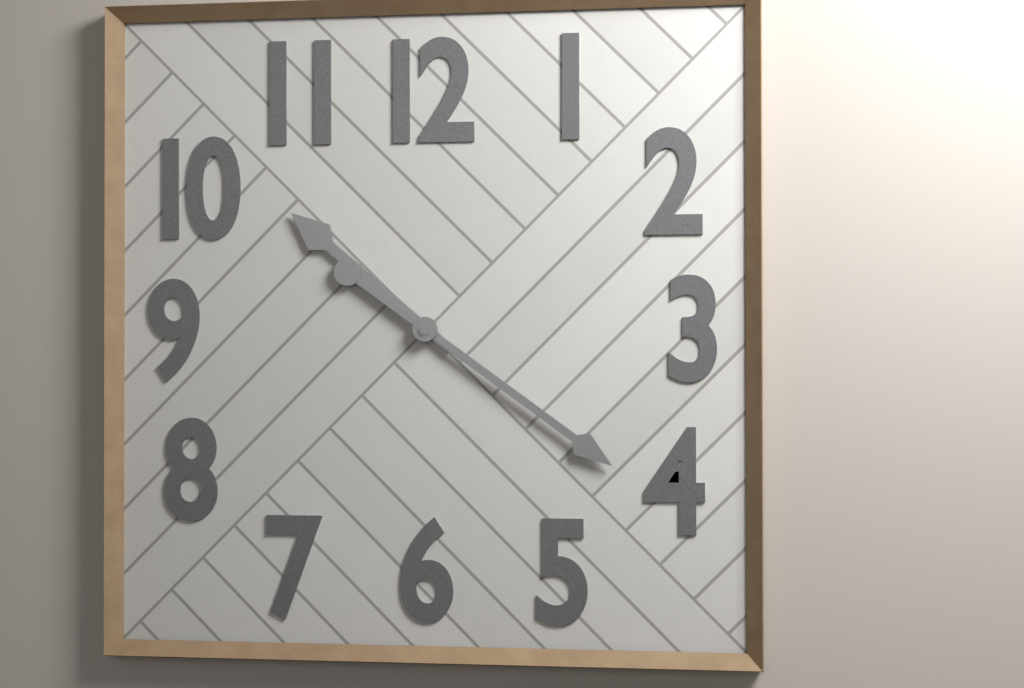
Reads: 10.21
